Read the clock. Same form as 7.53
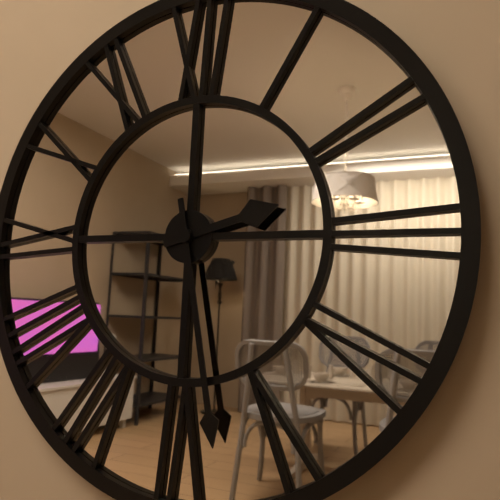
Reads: 2.28
